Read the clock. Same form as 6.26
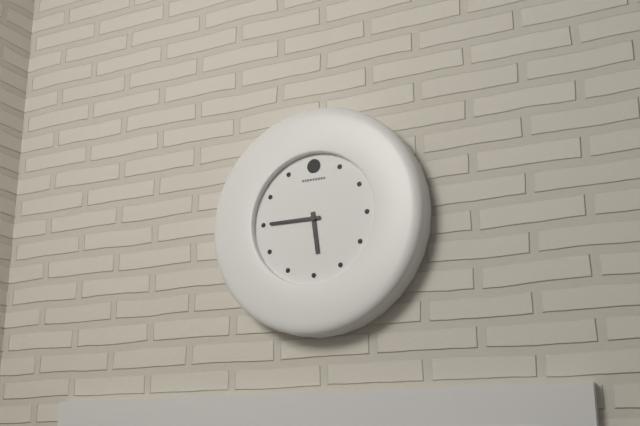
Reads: 5.45
